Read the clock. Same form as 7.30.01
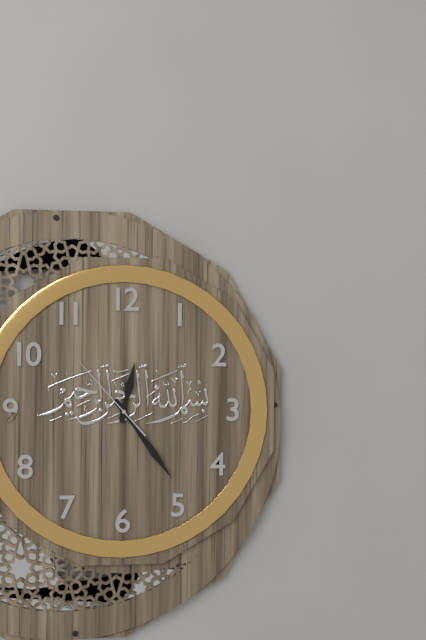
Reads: 12.24.53
